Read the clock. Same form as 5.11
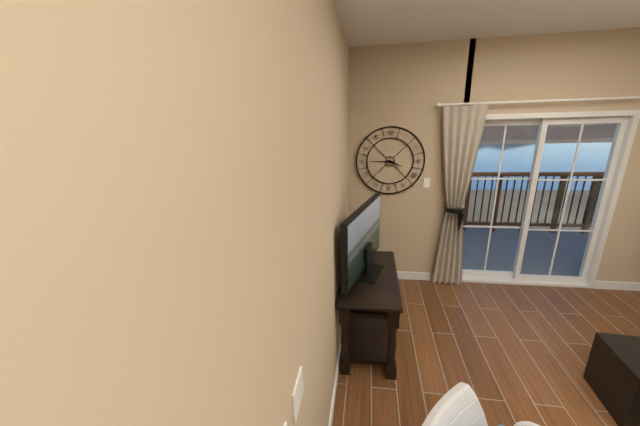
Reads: 3.45
